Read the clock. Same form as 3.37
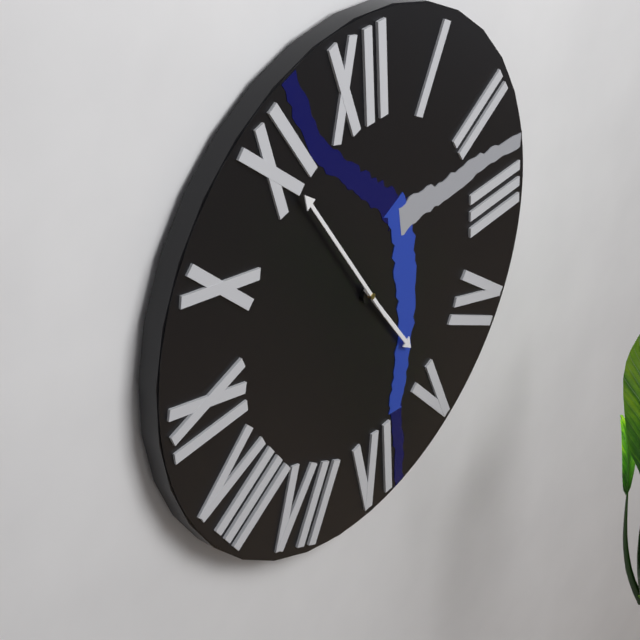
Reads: 4.55
